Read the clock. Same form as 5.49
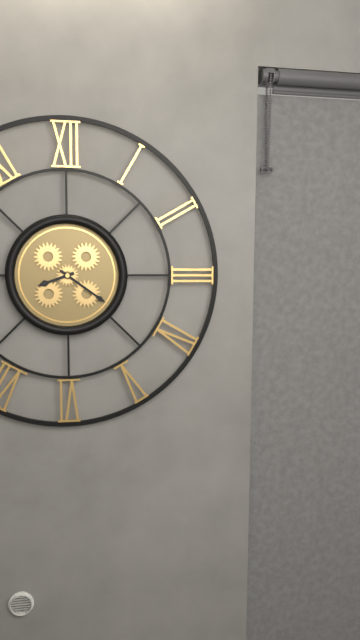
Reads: 8.21
